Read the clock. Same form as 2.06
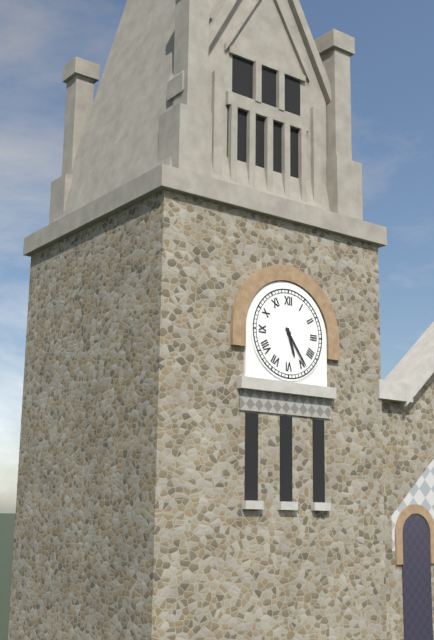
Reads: 5.24
